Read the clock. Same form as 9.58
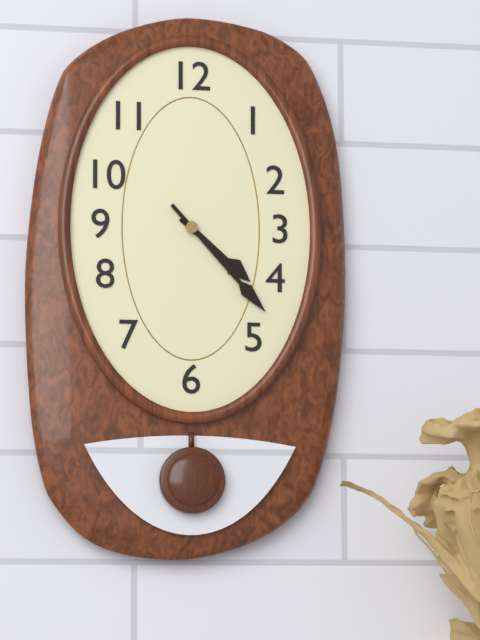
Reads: 4.23
